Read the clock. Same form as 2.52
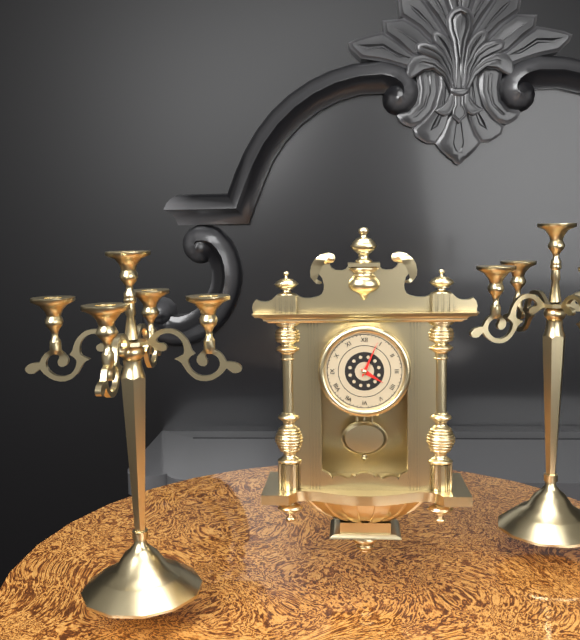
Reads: 4.04
